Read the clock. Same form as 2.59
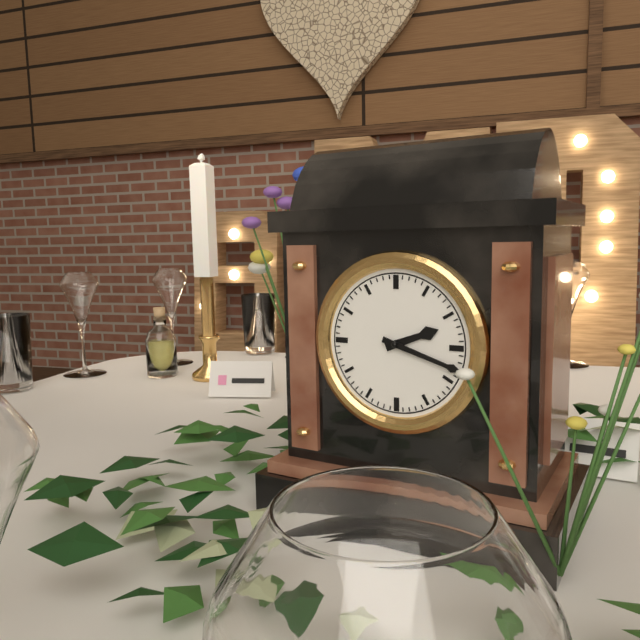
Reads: 2.18
